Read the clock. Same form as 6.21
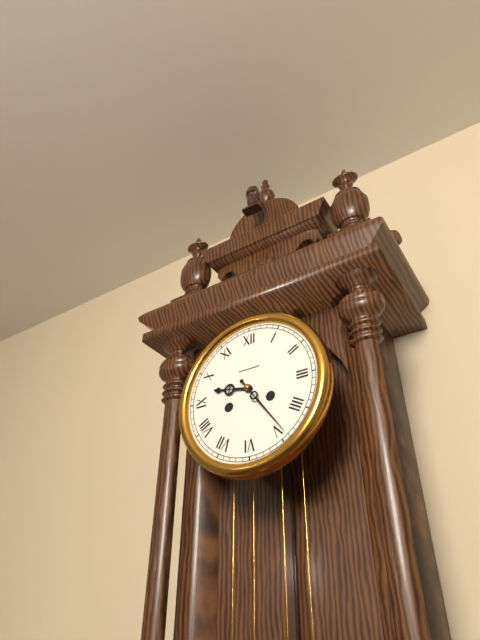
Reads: 9.24
